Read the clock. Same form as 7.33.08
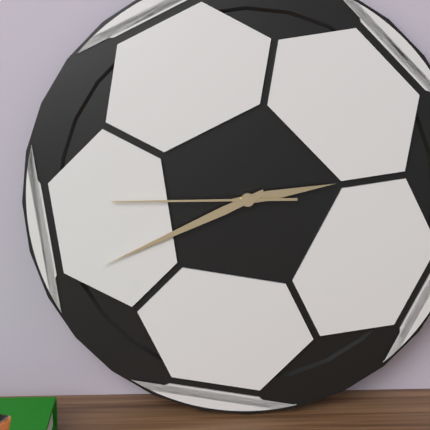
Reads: 2.41.45
